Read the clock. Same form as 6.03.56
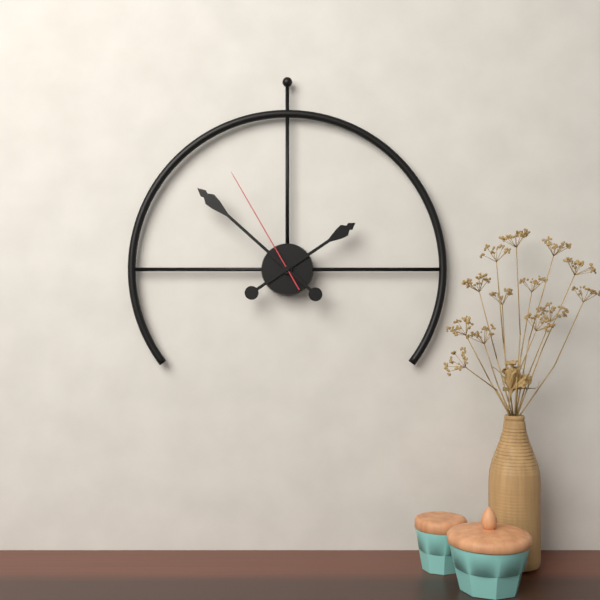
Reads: 1.52.55
